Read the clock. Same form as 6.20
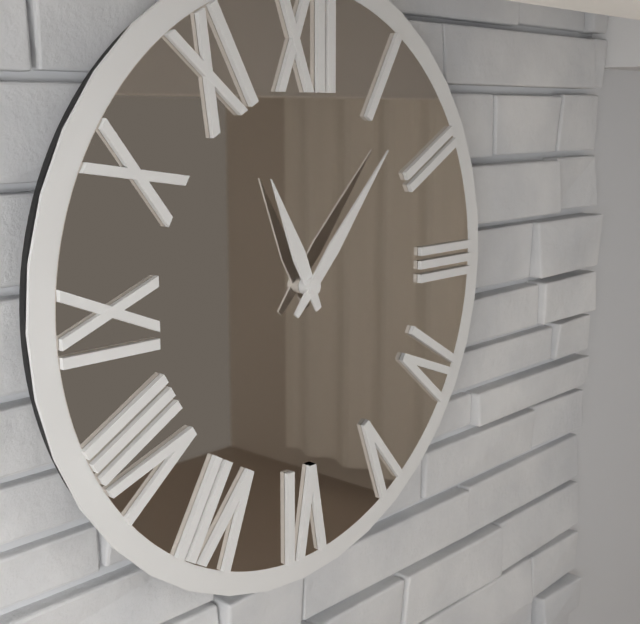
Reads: 11.07
